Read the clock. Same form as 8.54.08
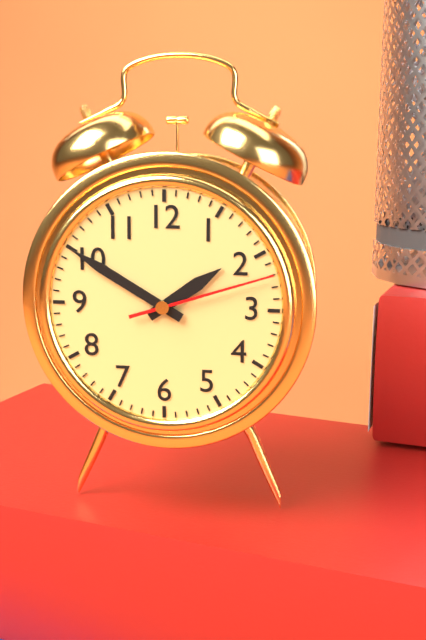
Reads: 1.50.12
